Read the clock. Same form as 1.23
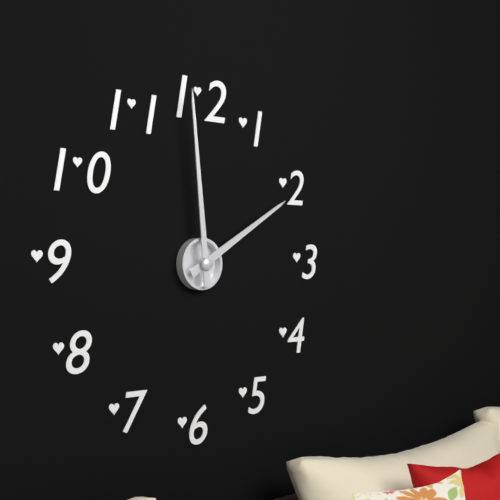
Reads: 1.59
